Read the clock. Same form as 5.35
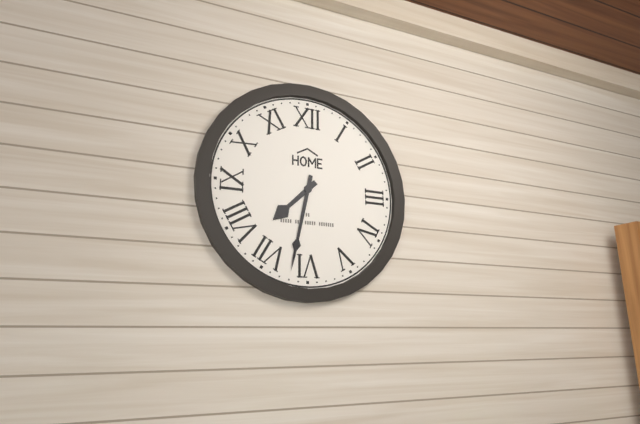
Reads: 7.32
